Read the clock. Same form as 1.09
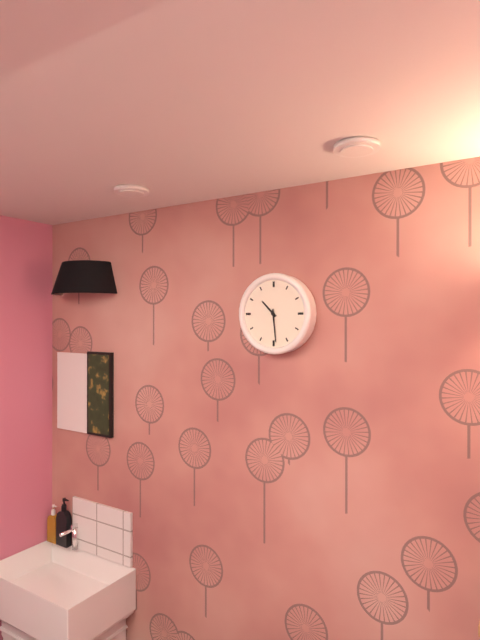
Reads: 10.29
